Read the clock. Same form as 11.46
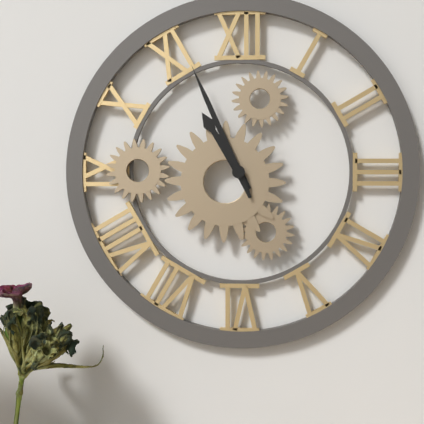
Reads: 10.56
